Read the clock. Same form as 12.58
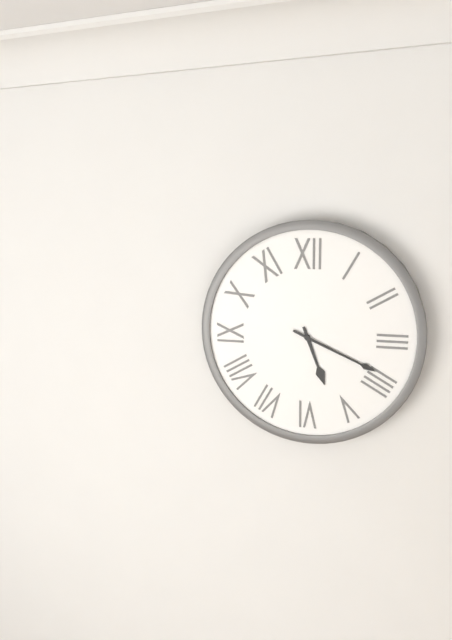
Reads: 5.19
